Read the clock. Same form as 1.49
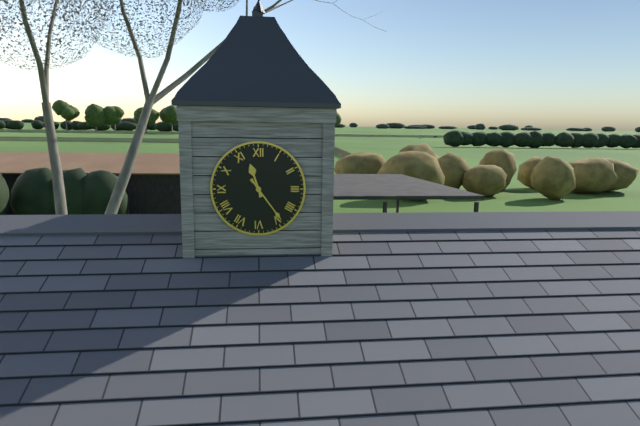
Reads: 11.24
